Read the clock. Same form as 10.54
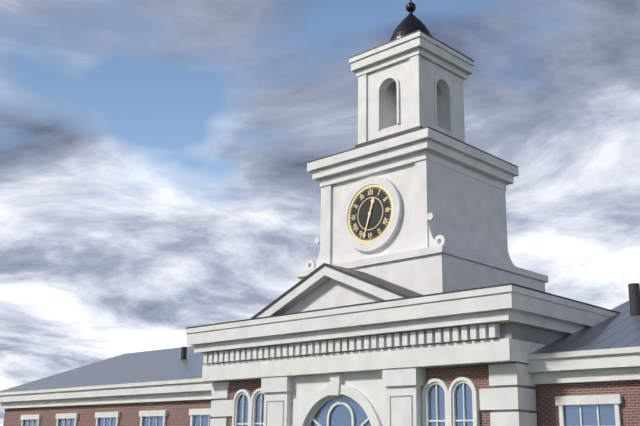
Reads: 12.33
